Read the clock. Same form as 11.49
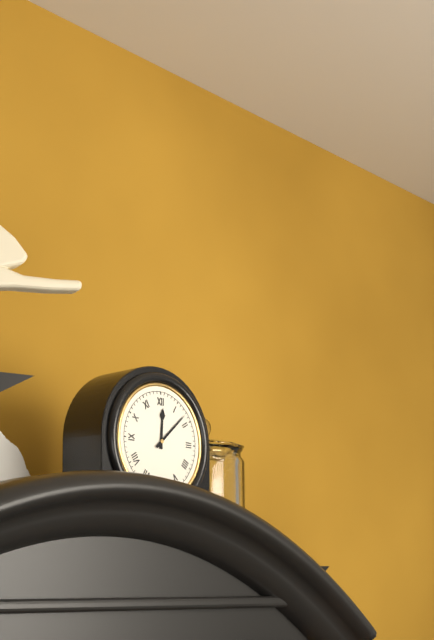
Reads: 12.08
